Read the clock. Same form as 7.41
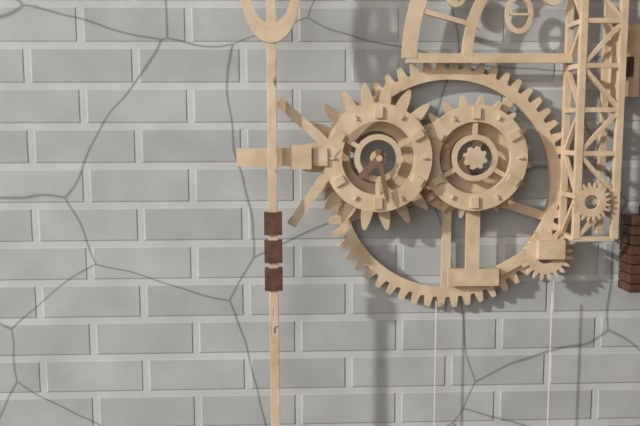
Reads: 7.28
